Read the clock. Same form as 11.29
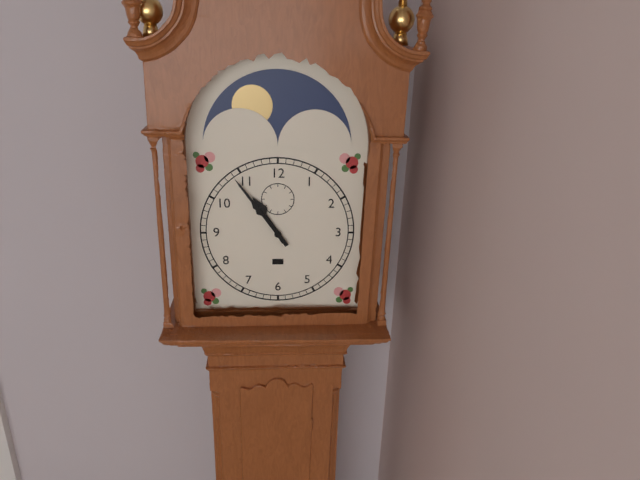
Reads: 10.54
